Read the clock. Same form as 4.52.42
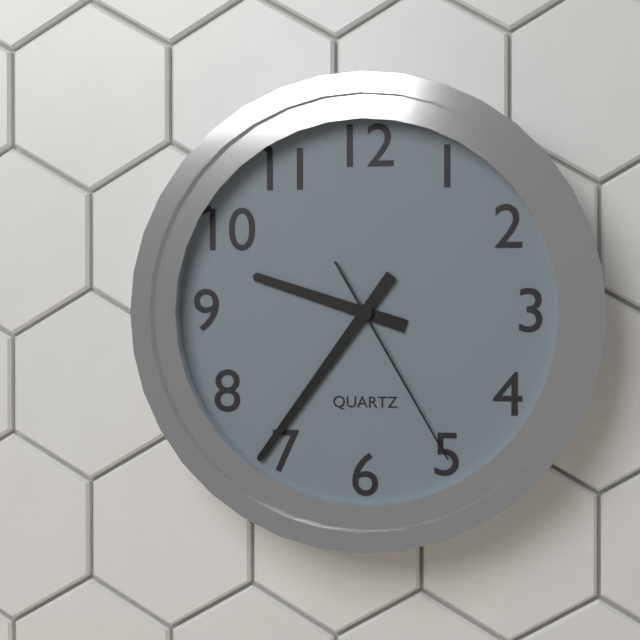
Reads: 9.36.25
